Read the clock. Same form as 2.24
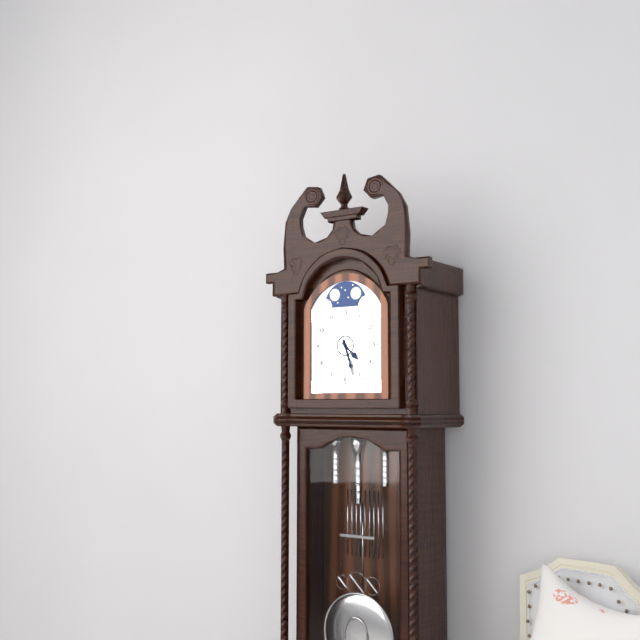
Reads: 4.27
